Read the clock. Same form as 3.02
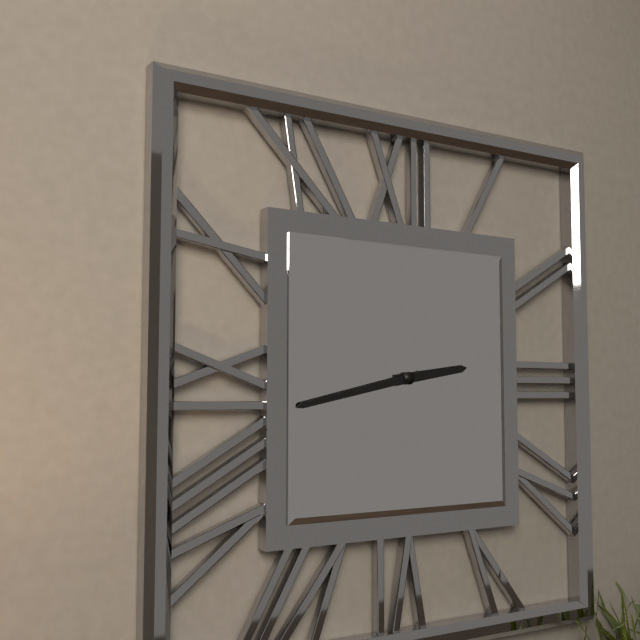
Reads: 2.43
